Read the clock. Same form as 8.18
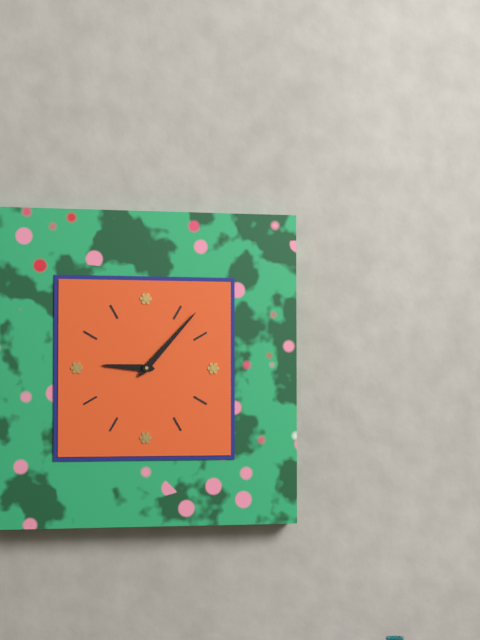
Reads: 9.07
